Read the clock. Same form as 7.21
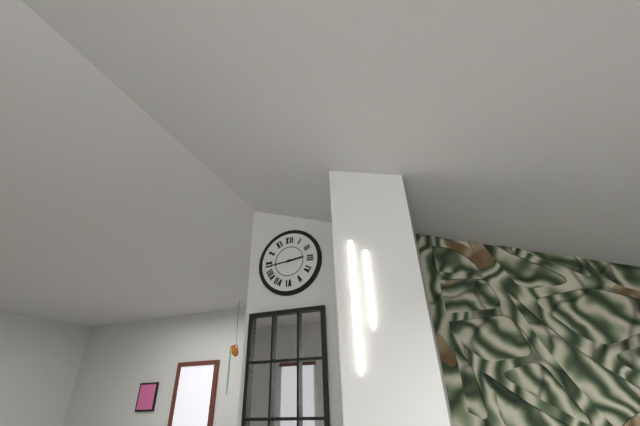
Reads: 2.44
